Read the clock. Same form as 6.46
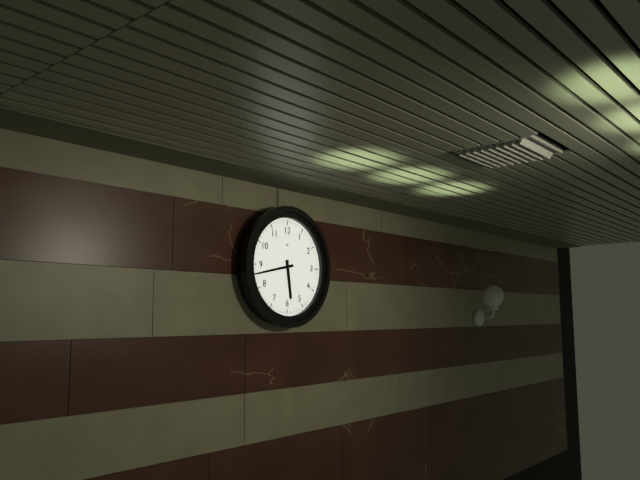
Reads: 5.43
